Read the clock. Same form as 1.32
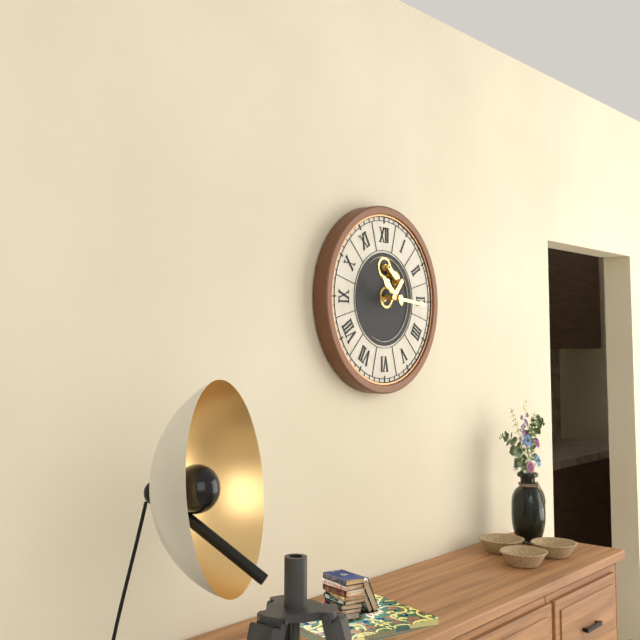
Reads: 10.16
